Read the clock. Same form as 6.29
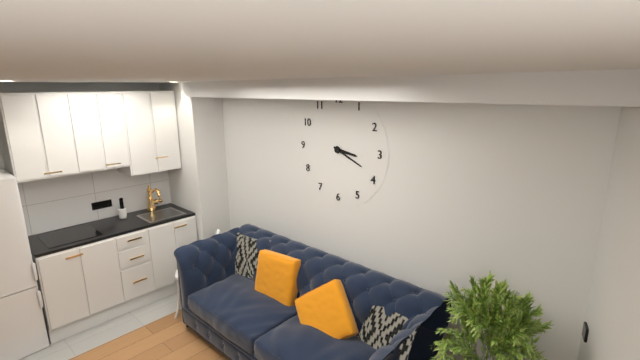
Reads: 3.19
